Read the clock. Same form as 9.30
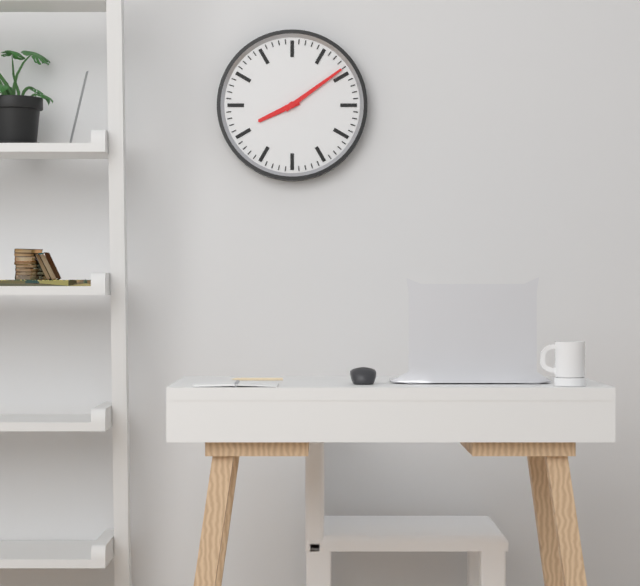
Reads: 8.09
